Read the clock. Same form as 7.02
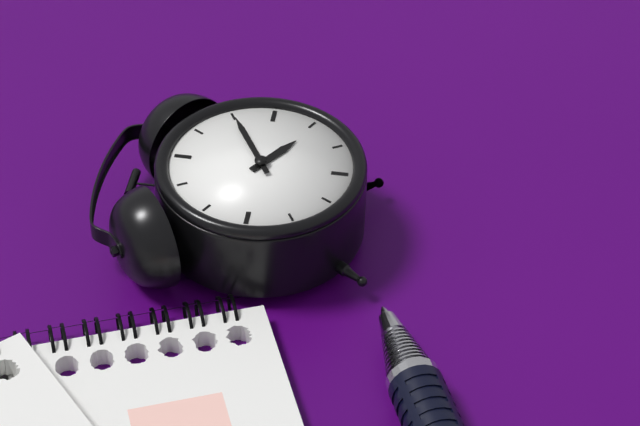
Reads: 4.10
